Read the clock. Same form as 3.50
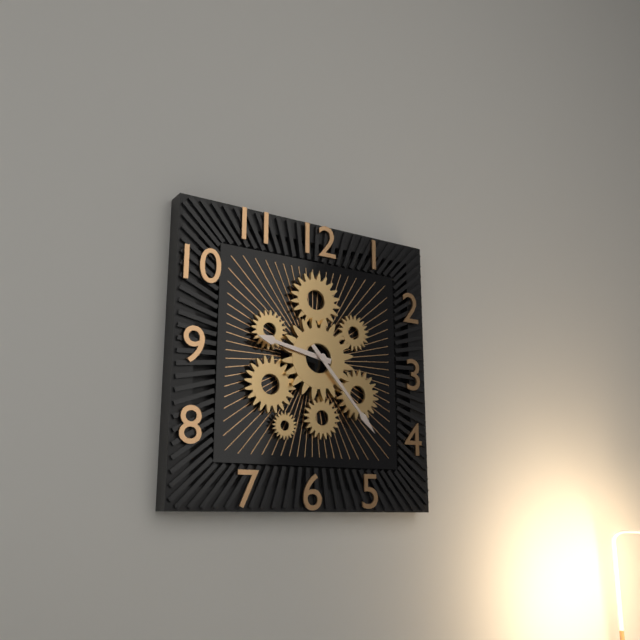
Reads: 9.23
